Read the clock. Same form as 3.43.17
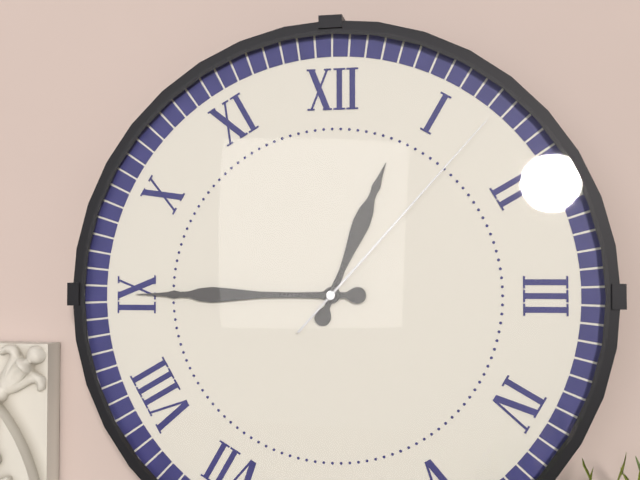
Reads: 12.45.07
